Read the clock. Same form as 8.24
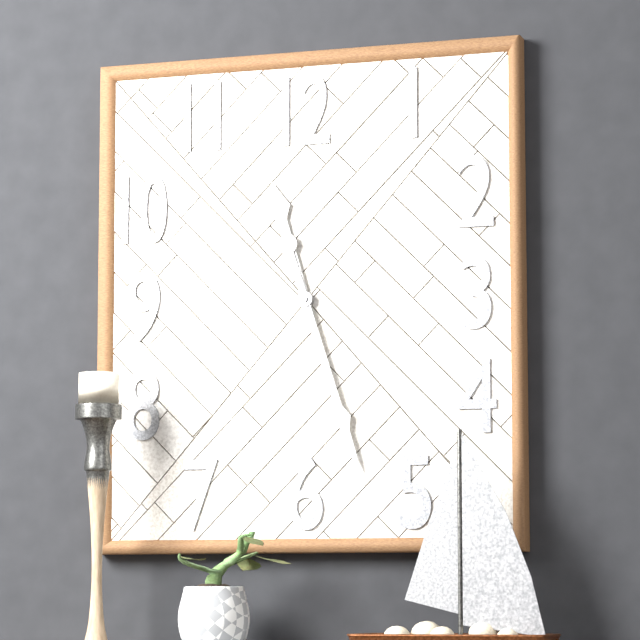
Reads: 11.27
